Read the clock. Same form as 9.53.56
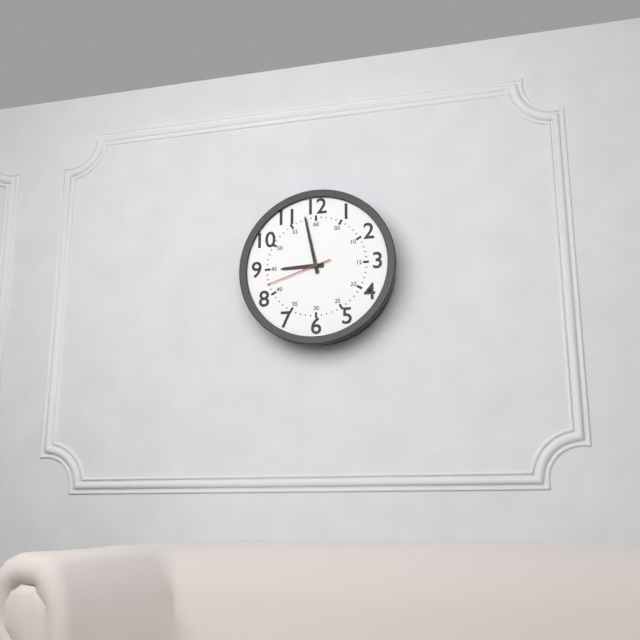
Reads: 8.58.42
